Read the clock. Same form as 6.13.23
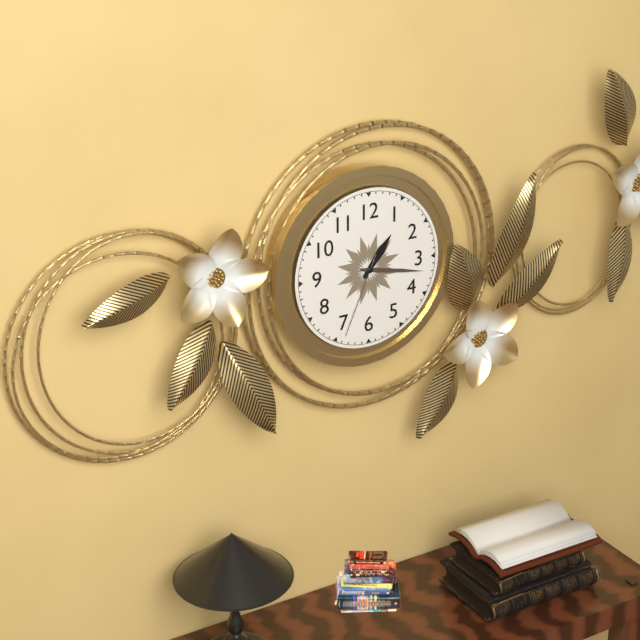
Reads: 1.17.34
